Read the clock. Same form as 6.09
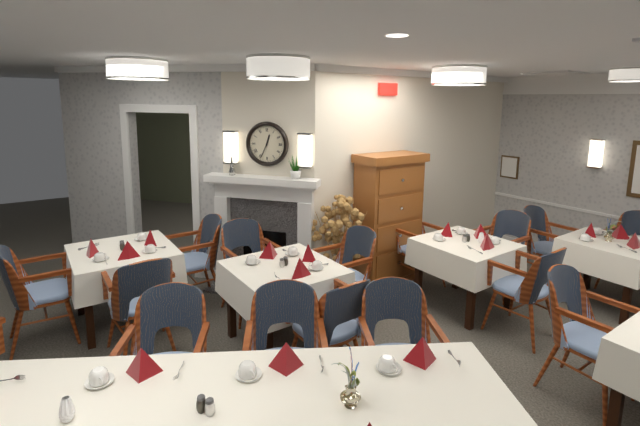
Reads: 12.34
